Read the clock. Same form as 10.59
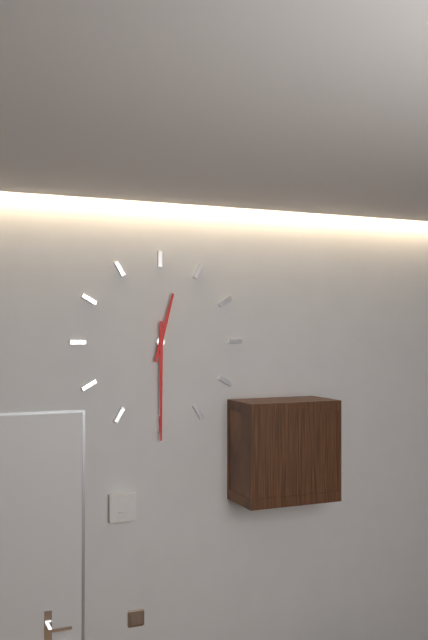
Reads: 12.30
